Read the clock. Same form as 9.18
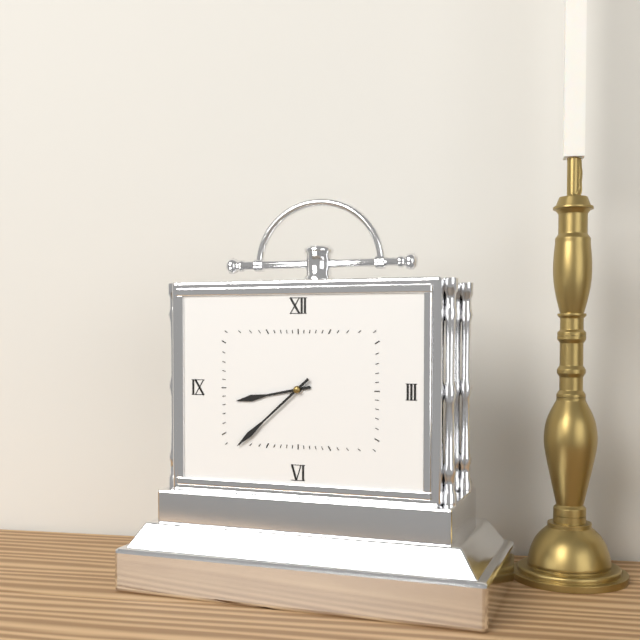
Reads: 8.38
